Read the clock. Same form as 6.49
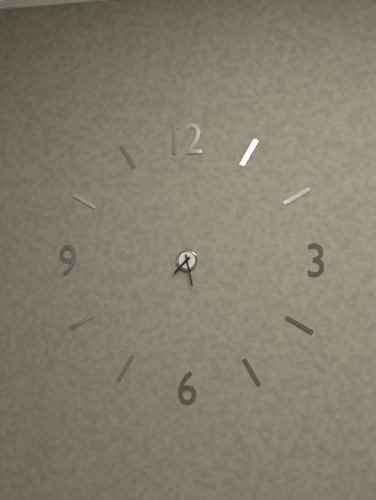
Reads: 7.28
